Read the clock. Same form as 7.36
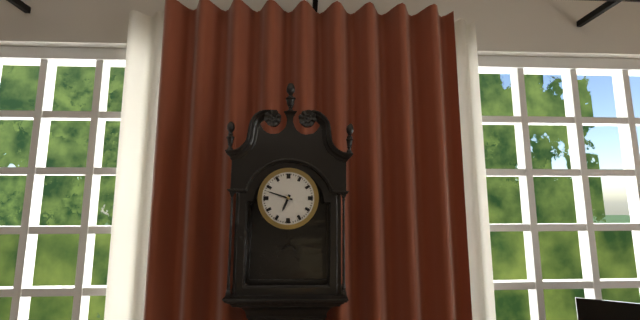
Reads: 6.48
